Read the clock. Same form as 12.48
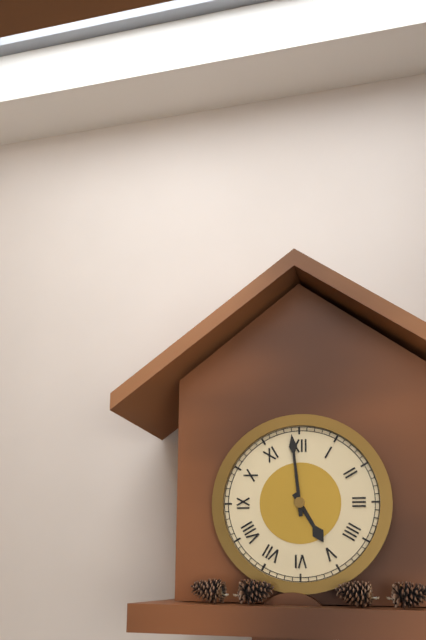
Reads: 4.59
